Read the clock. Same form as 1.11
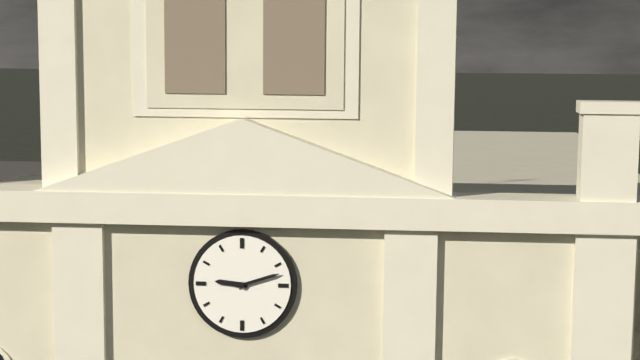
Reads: 9.12
